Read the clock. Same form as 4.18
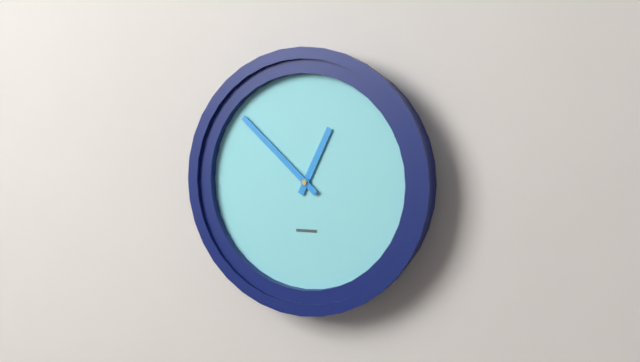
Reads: 12.52
